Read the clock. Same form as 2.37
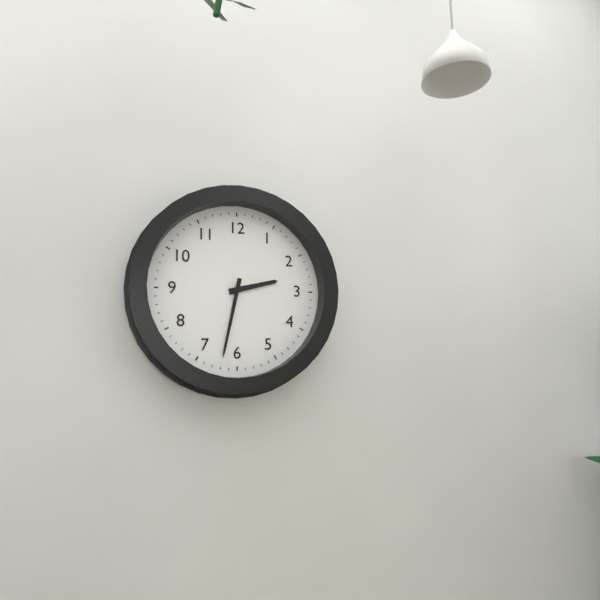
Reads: 2.32
